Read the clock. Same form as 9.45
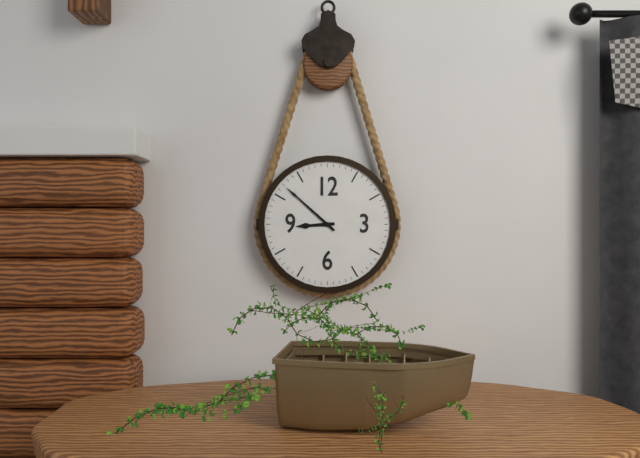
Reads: 8.52
